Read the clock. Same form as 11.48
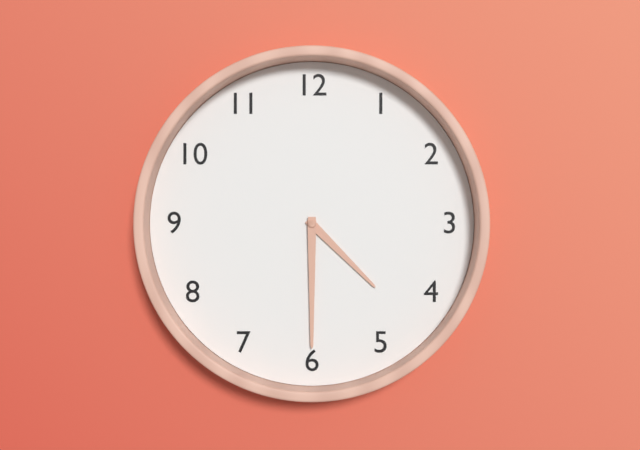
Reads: 4.30
